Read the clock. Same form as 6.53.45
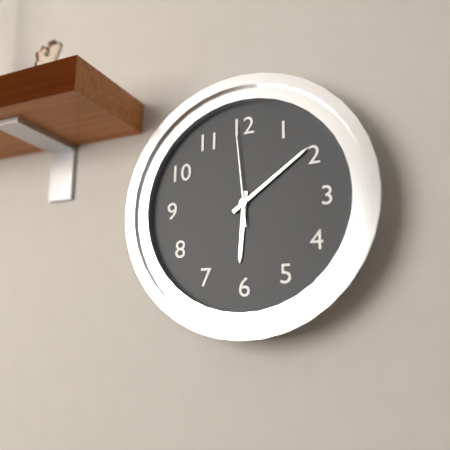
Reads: 6.09.59
